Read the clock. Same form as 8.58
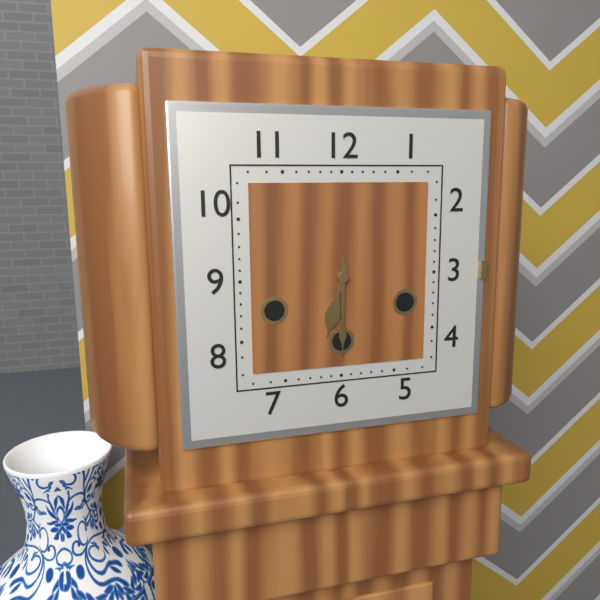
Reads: 6.30
